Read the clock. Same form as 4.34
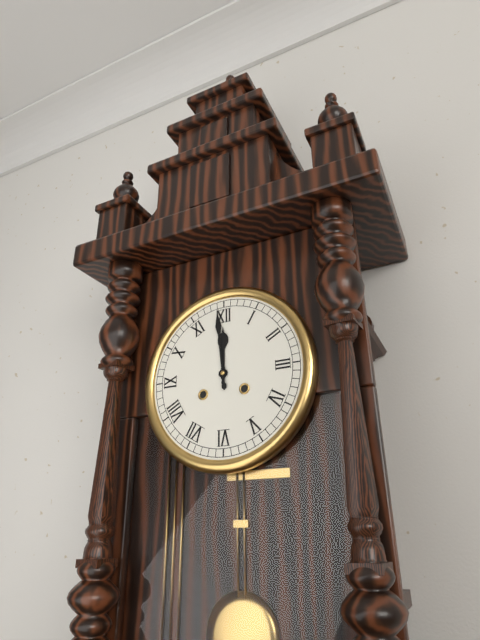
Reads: 11.59
